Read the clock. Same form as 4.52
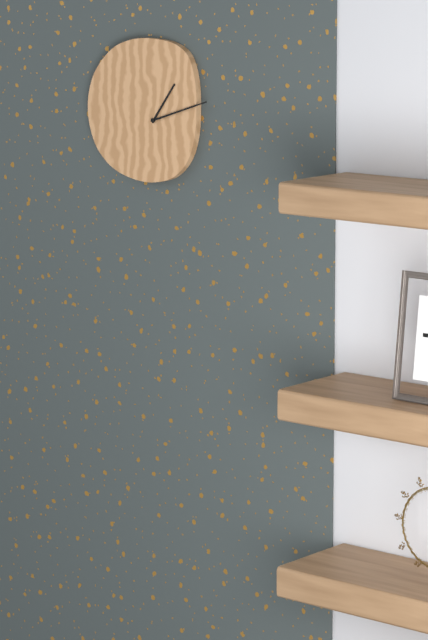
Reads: 1.12
